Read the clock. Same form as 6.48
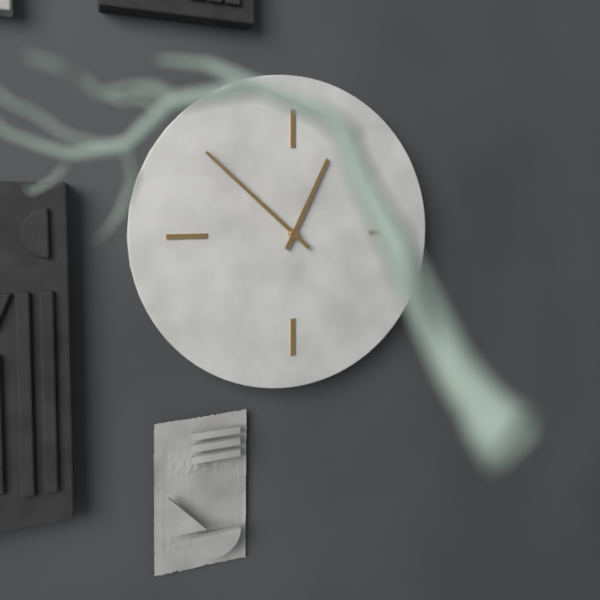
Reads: 12.52
